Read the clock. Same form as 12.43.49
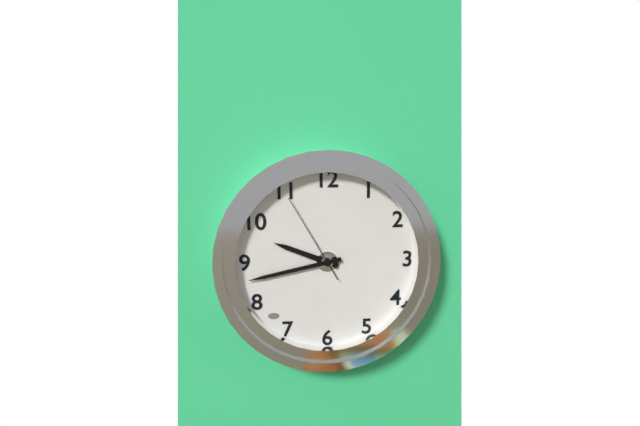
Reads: 9.43.55
